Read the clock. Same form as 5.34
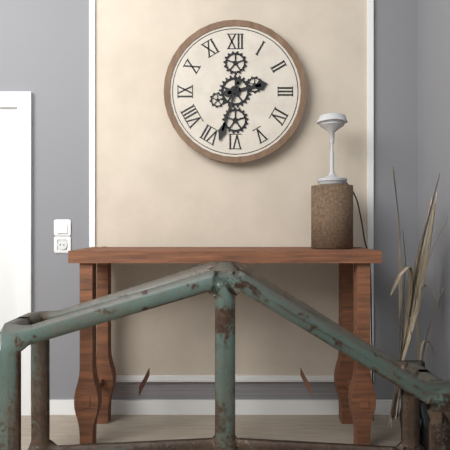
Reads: 2.33
